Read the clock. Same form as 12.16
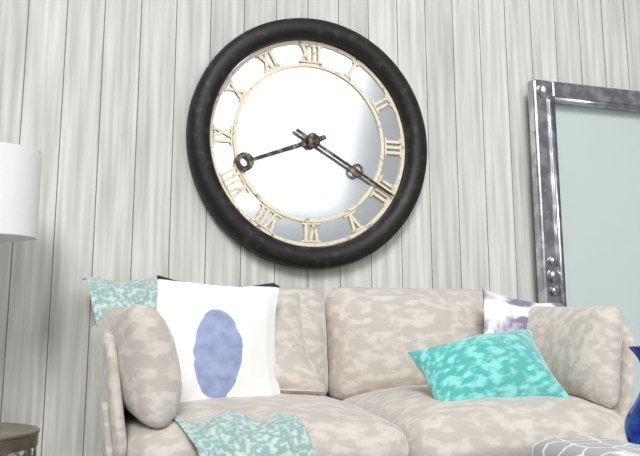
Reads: 8.20
